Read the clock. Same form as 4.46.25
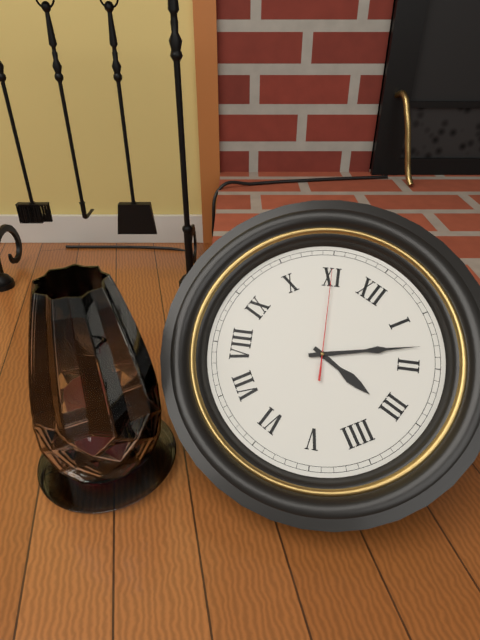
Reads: 3.08.55
